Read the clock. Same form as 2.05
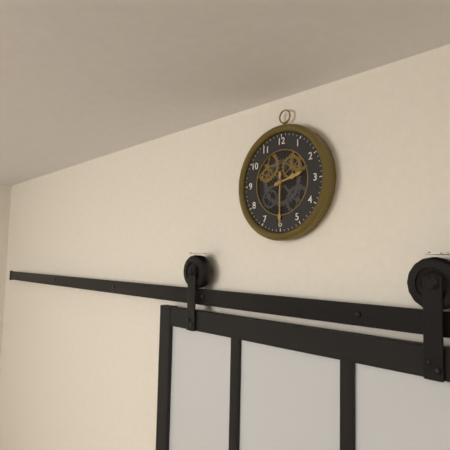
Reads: 2.30
